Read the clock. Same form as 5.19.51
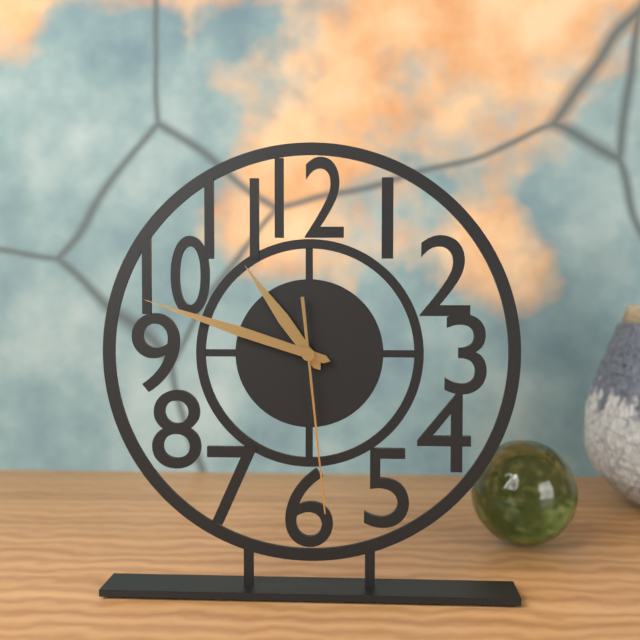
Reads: 10.48.29
